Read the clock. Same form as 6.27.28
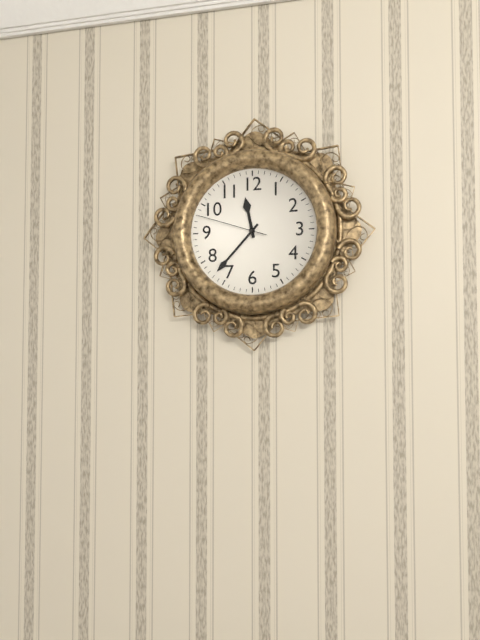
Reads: 11.37.48
